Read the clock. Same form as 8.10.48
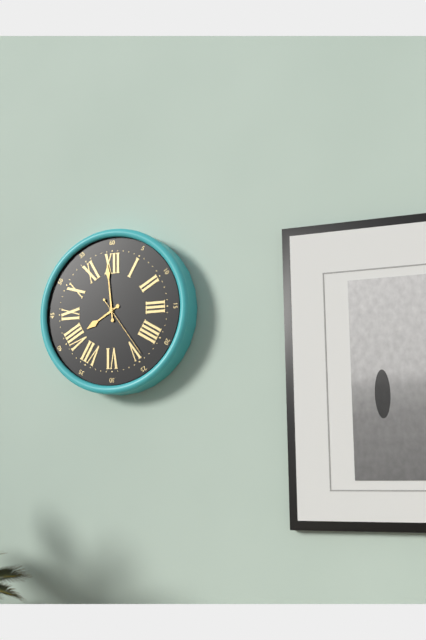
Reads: 7.59.24
